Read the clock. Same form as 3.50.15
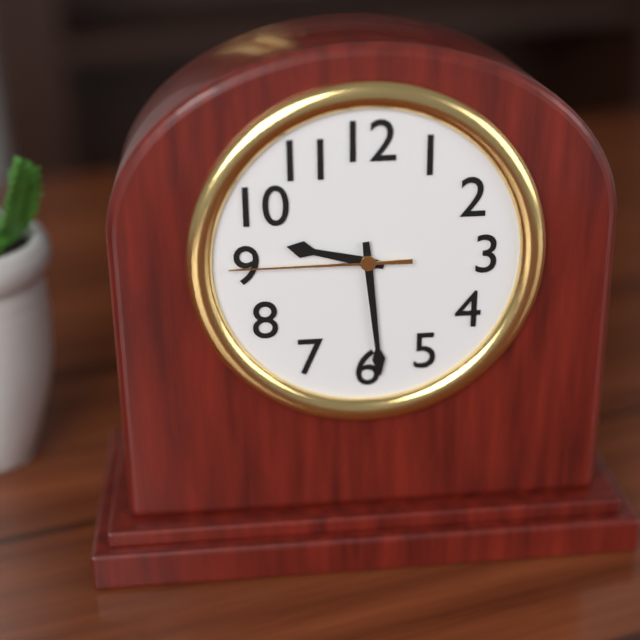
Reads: 9.29.45
